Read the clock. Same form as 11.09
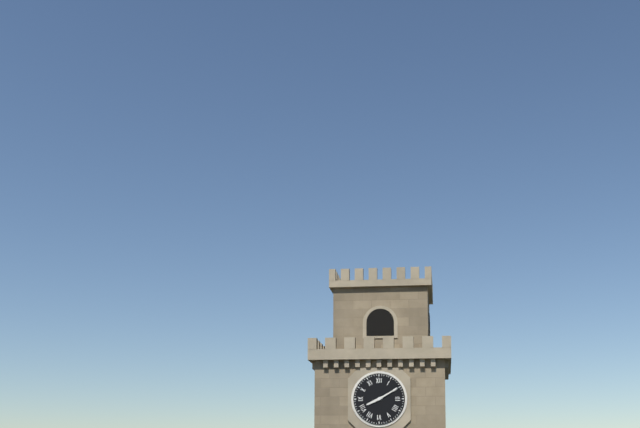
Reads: 8.10
